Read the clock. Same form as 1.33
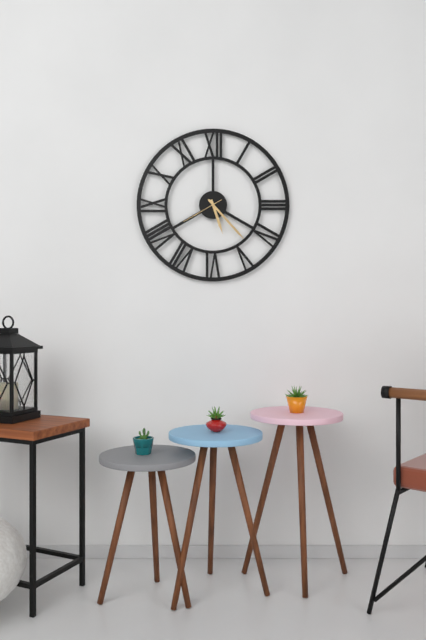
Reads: 5.23
